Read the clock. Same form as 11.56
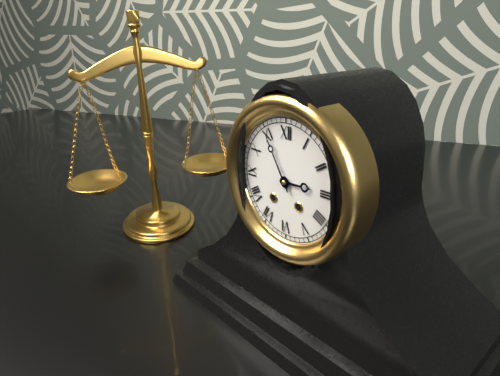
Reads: 2.55
